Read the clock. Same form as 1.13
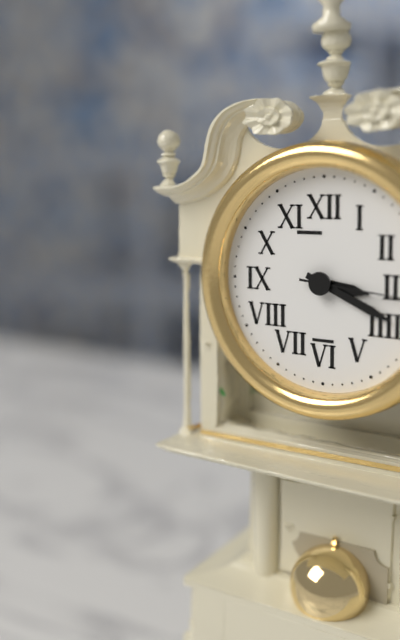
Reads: 3.19
